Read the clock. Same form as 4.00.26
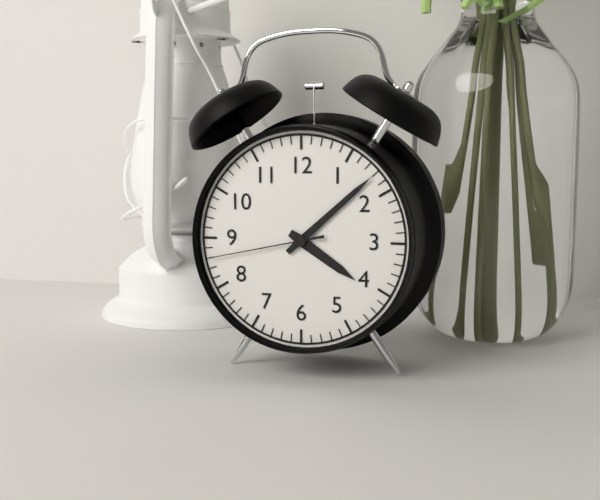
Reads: 4.08.43
